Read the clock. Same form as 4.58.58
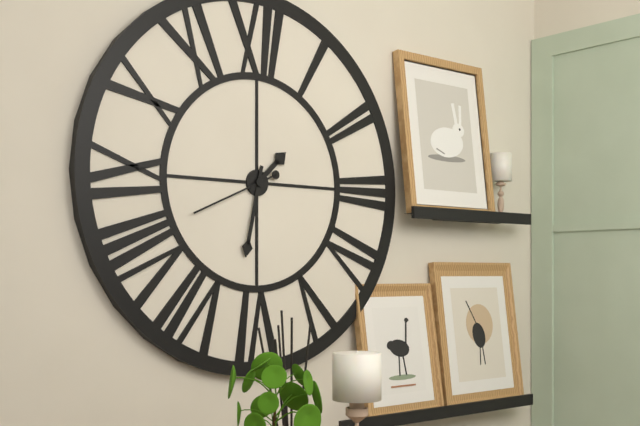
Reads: 1.32.41
